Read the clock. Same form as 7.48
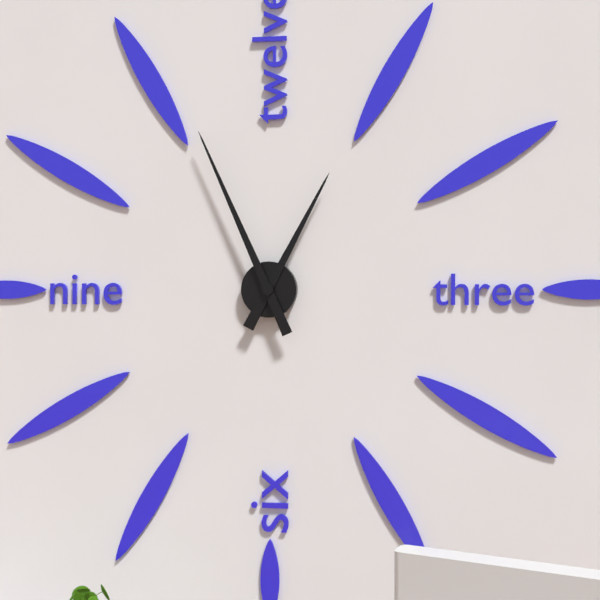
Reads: 12.56
